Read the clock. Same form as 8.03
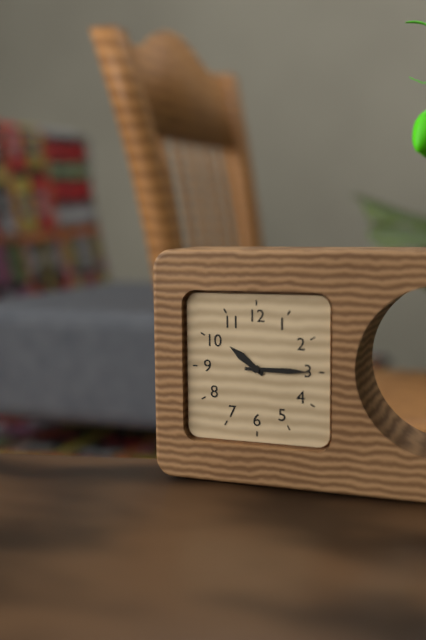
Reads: 10.15
